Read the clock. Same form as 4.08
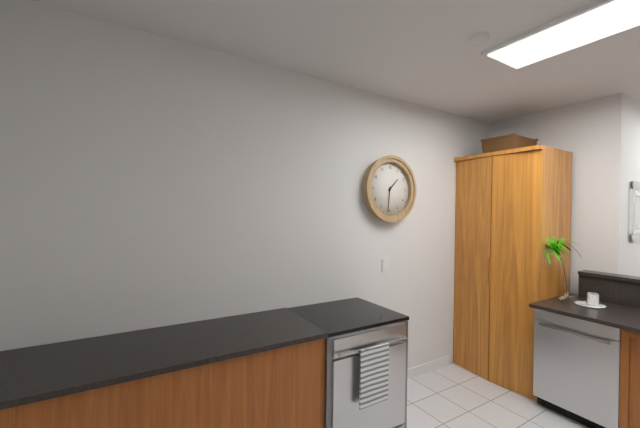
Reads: 1.31
